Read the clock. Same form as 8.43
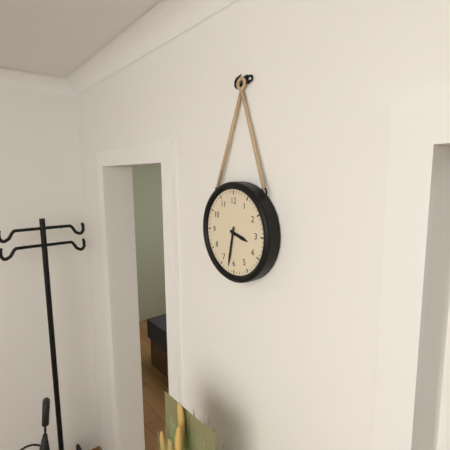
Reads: 3.32
